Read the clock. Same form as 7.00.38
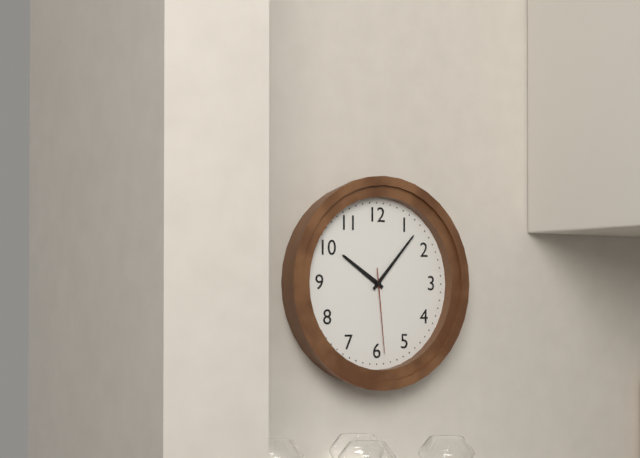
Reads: 10.07.29
